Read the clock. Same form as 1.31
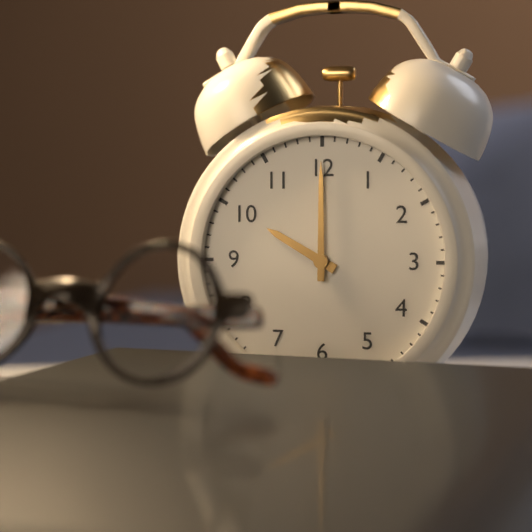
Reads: 10.00
